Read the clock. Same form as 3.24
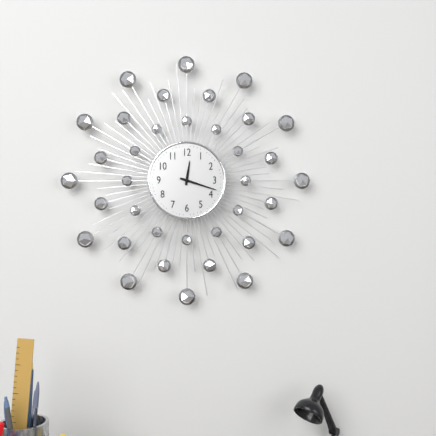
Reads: 12.18
